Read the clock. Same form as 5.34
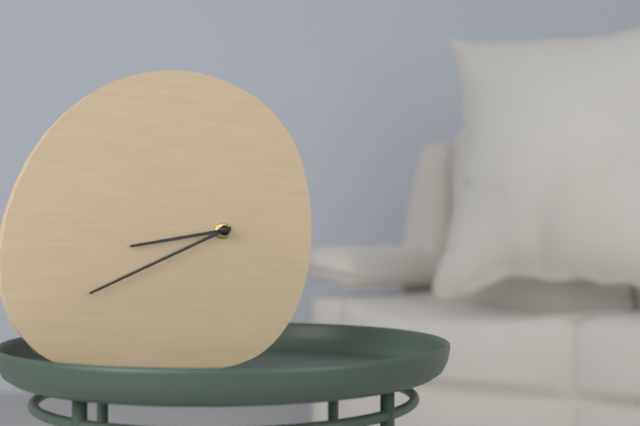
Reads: 8.41
